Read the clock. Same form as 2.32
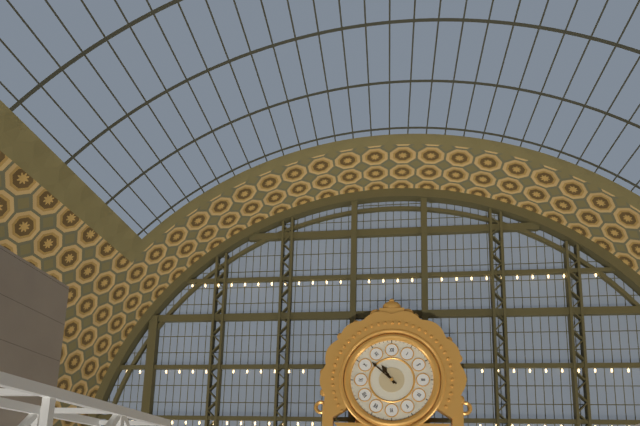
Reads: 10.52
